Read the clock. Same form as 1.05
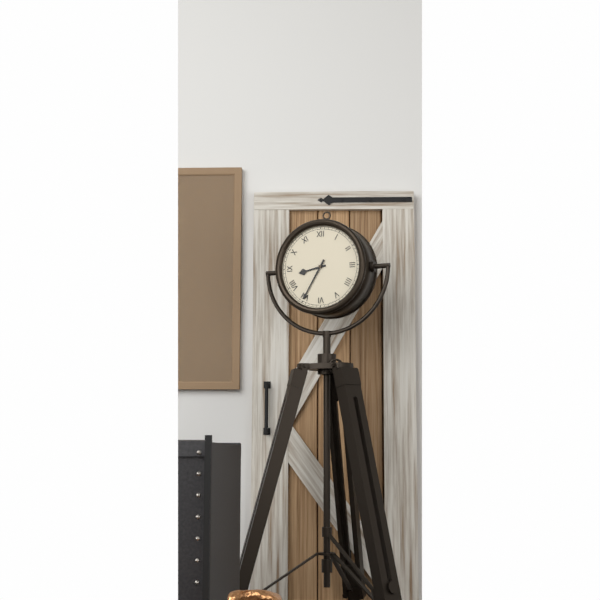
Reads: 8.35
